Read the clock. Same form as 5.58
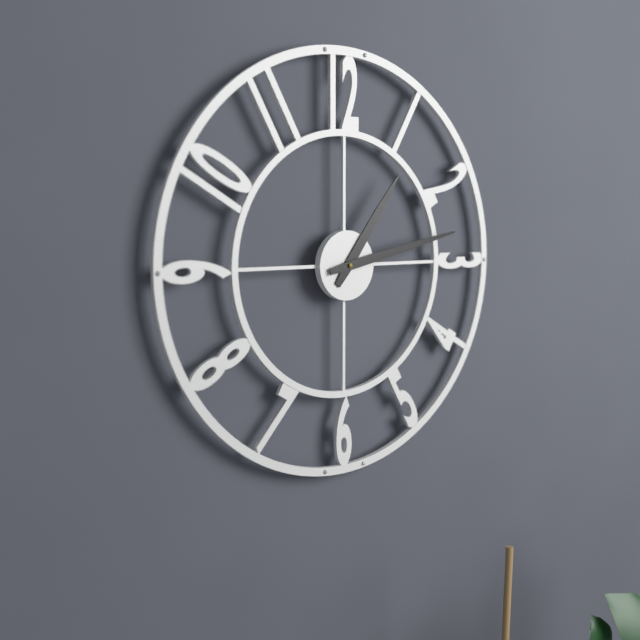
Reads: 1.13
